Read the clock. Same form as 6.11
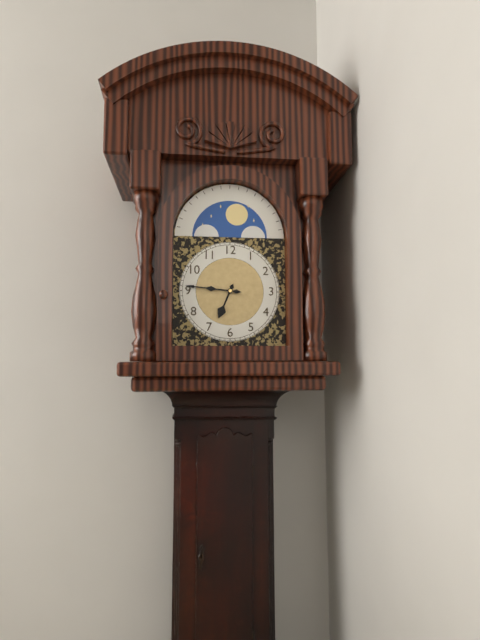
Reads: 6.46
